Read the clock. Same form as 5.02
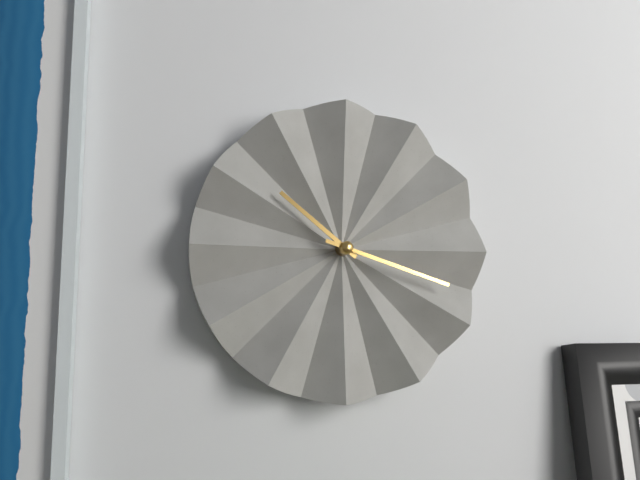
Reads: 10.18
